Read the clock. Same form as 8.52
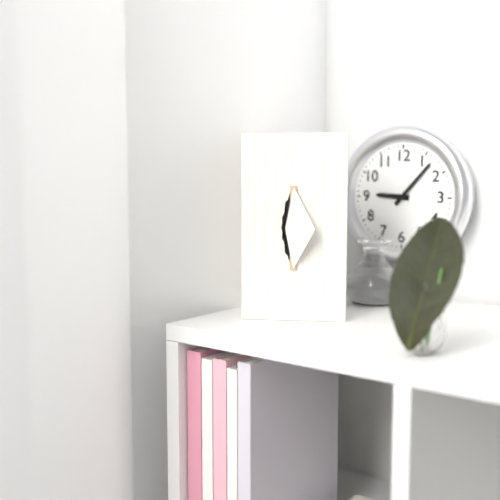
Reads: 9.07
